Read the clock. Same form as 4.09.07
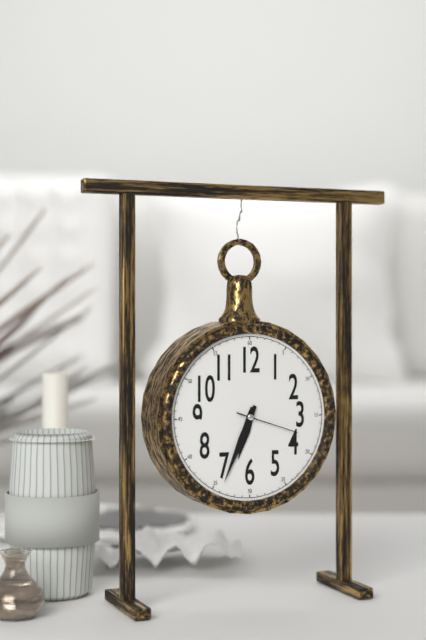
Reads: 6.34.18
